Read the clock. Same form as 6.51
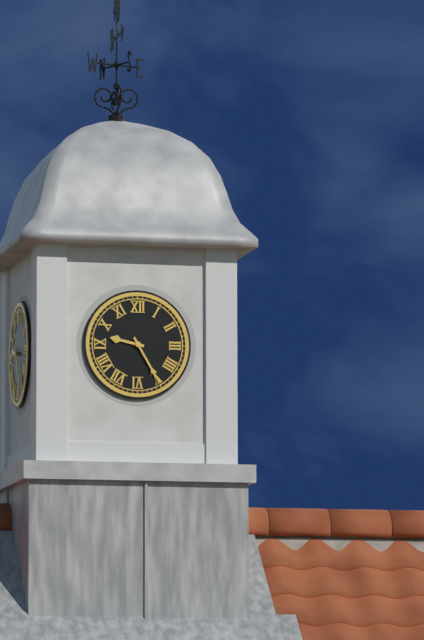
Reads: 9.25
